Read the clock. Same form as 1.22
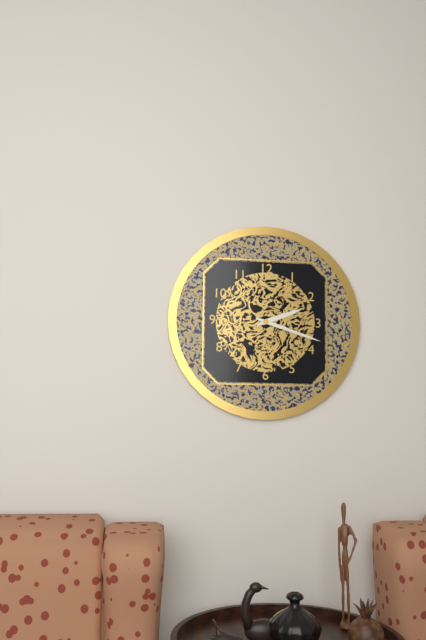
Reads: 2.18
